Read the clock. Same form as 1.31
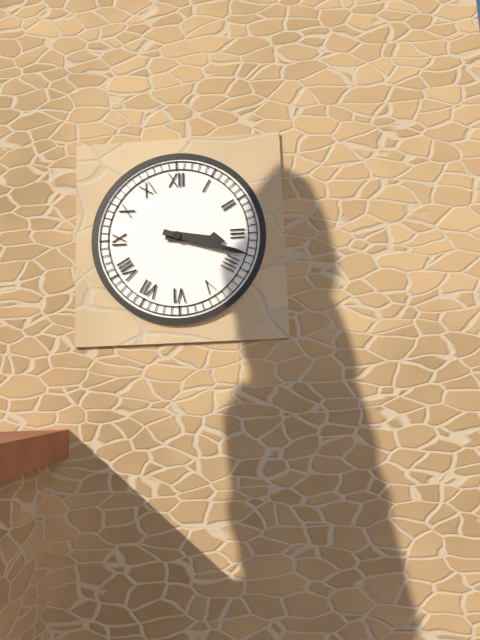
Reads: 3.18
